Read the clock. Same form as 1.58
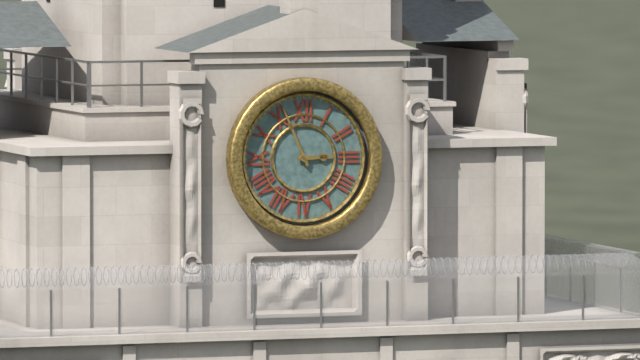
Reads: 2.56
